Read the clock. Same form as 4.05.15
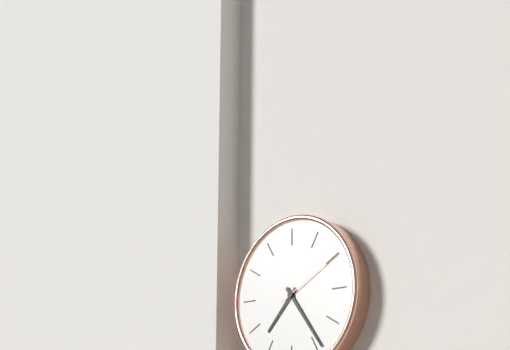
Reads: 7.24.10
